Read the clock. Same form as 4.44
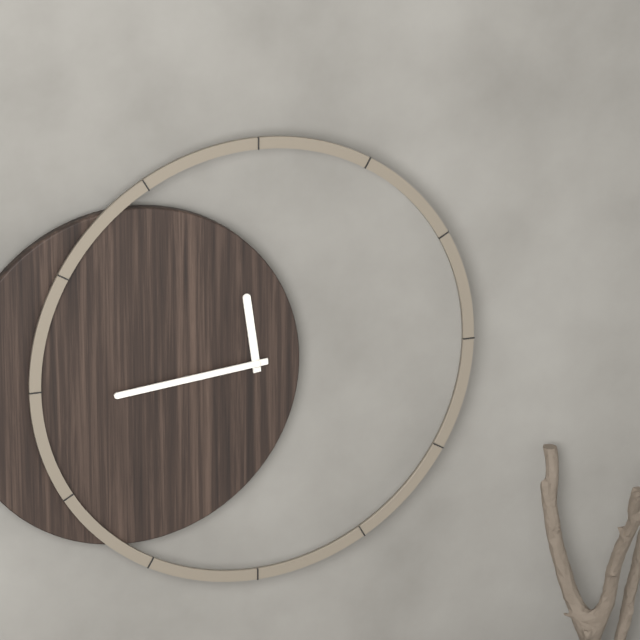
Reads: 11.44
